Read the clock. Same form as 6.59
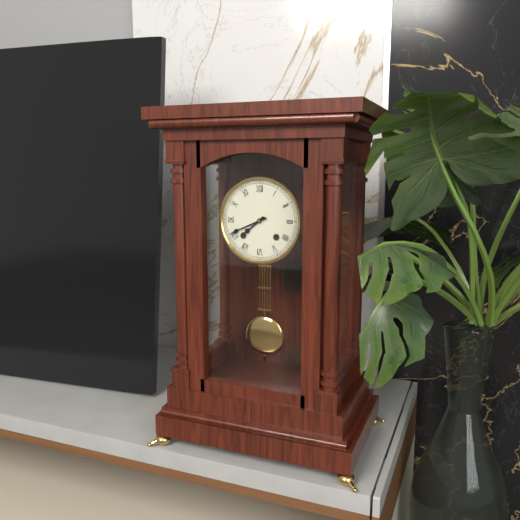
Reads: 7.41
